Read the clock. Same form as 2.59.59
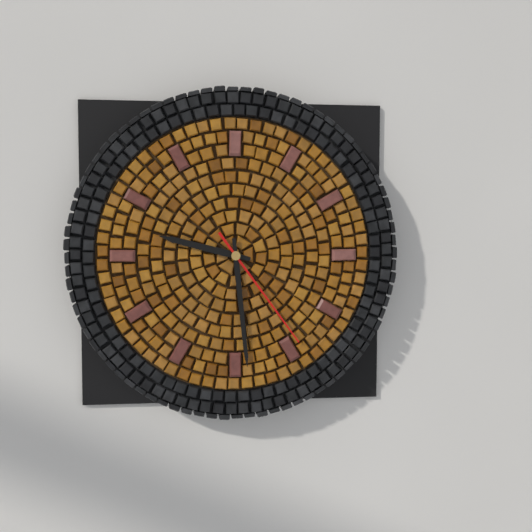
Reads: 9.29.24
